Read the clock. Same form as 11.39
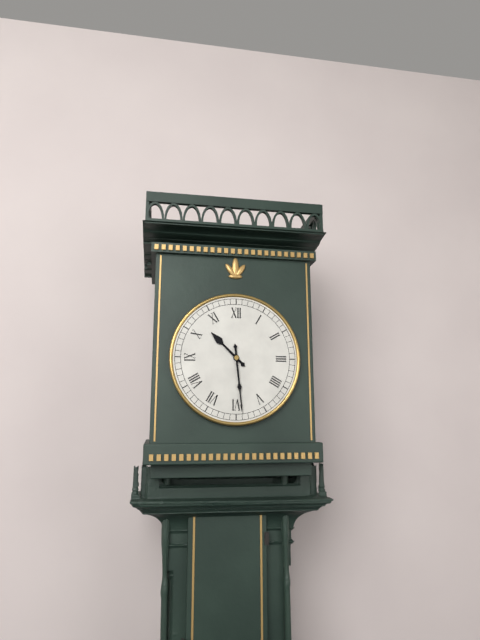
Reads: 10.29
